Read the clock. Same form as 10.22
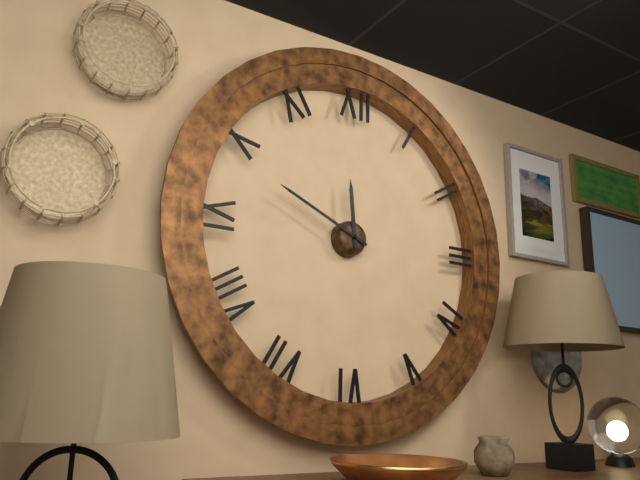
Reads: 11.49
